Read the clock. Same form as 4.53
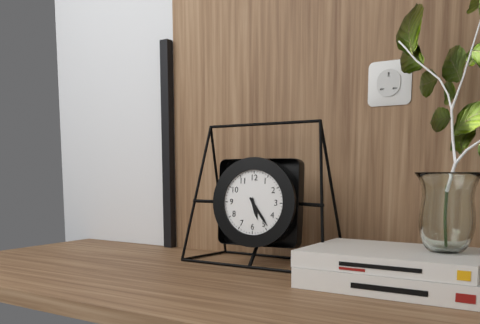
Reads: 5.24
